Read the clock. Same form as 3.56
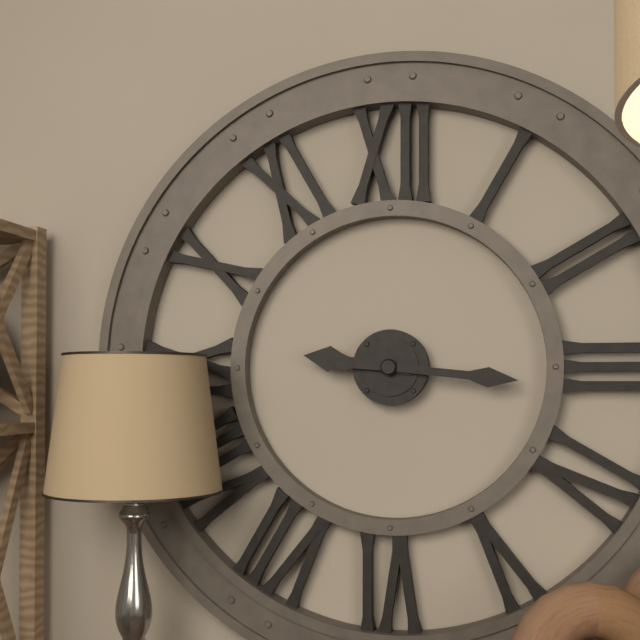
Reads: 9.16
